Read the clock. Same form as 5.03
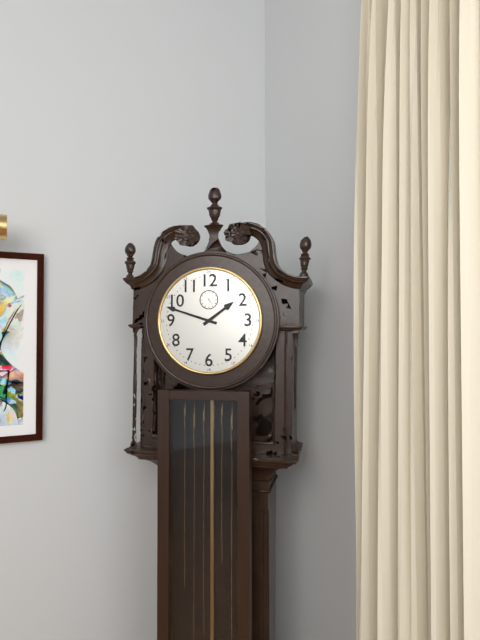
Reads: 1.48
